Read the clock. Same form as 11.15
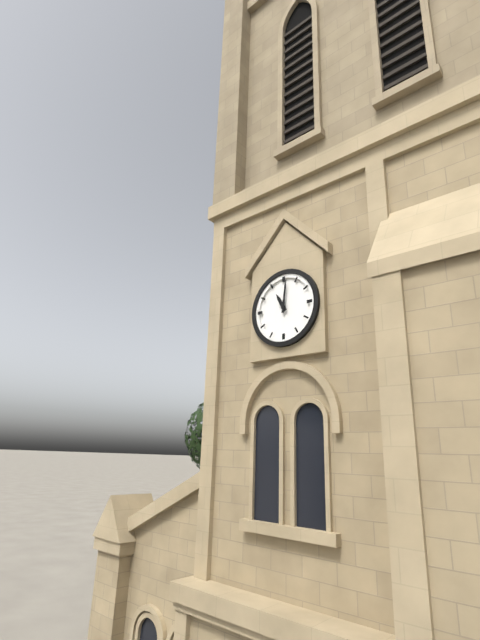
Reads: 11.01
